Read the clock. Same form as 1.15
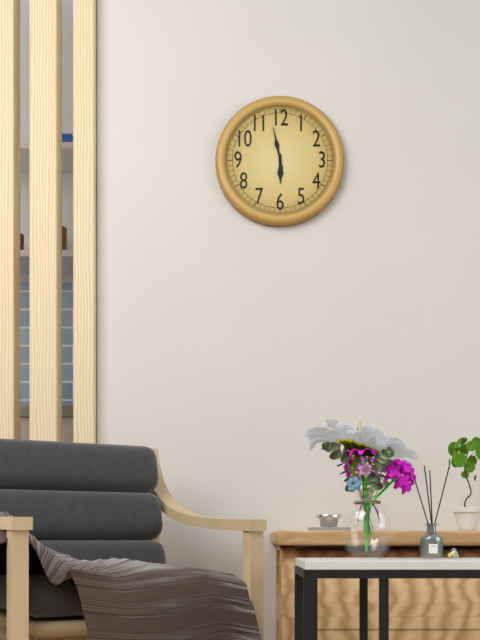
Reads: 5.58
